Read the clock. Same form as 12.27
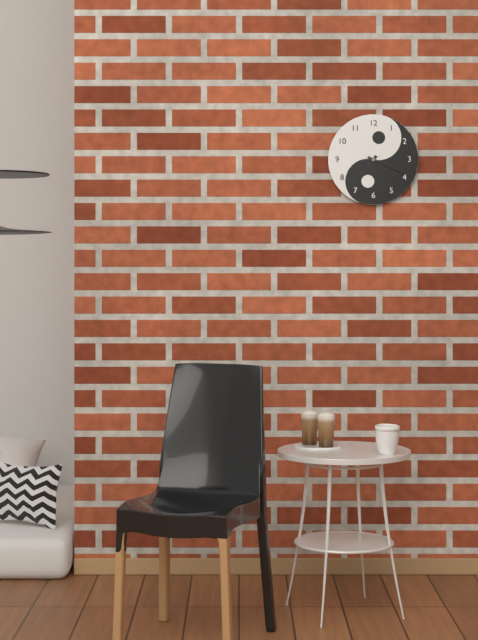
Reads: 7.19
